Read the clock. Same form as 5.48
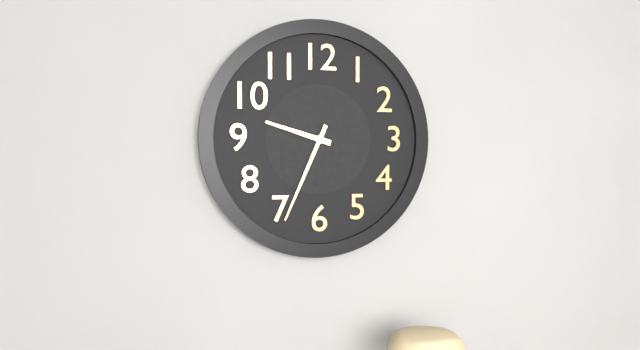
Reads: 9.34
